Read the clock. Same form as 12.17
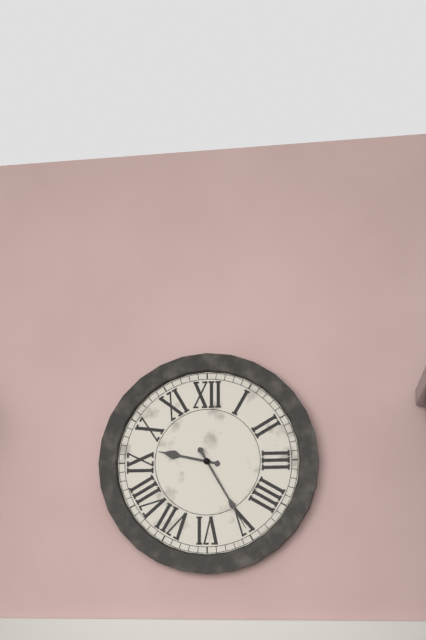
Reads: 9.25
